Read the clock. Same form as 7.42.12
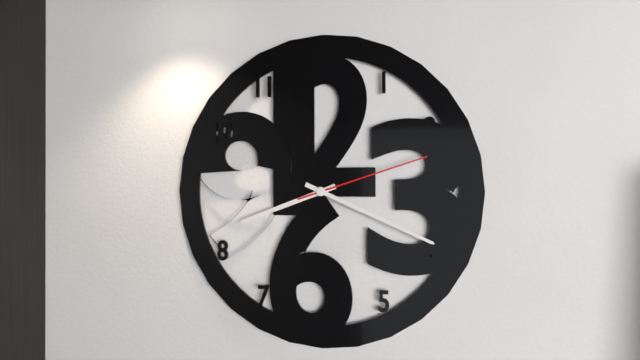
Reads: 8.19.12
